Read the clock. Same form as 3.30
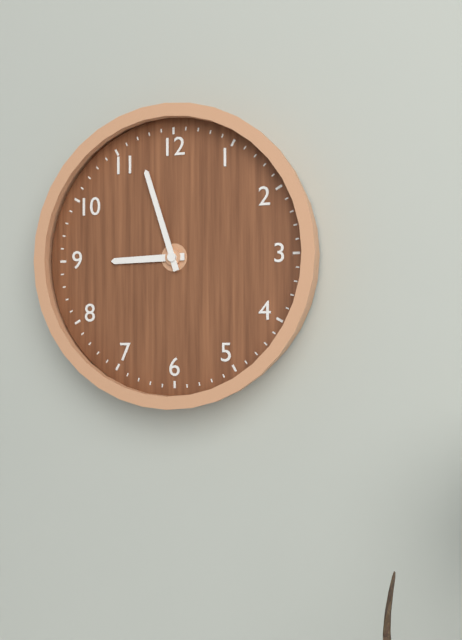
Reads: 8.57
